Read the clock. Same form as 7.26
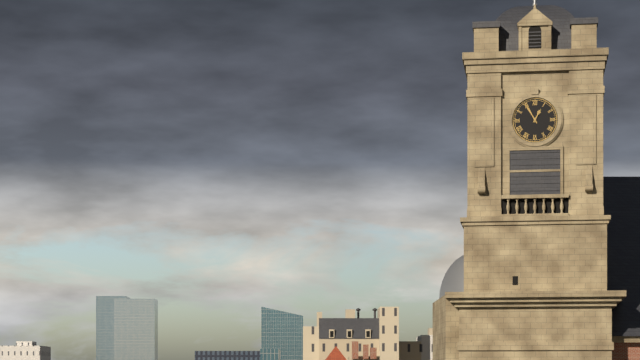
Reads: 12.55
